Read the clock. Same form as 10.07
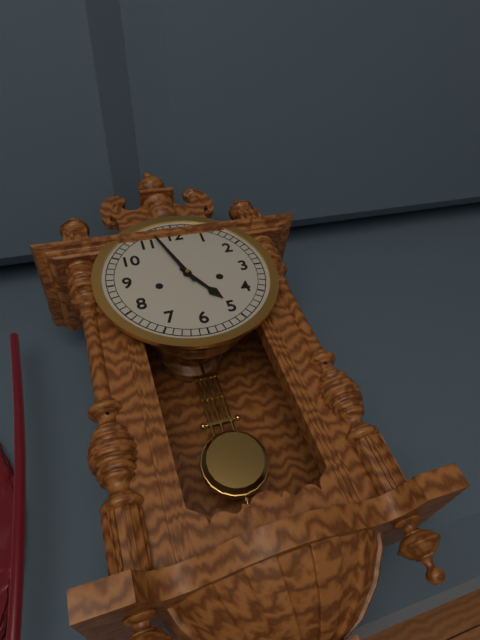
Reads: 4.57
